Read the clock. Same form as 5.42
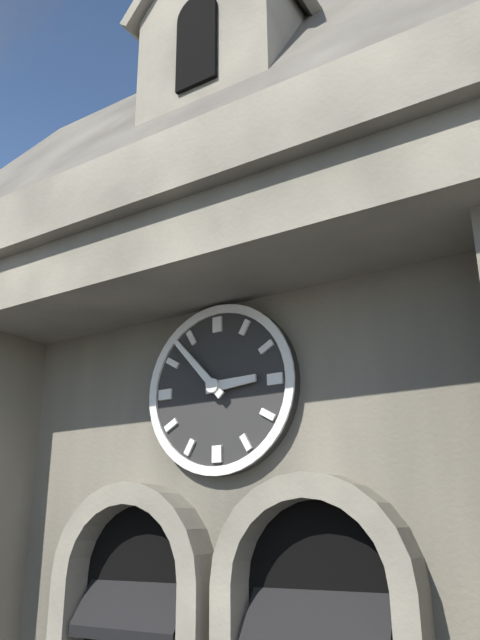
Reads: 2.53
